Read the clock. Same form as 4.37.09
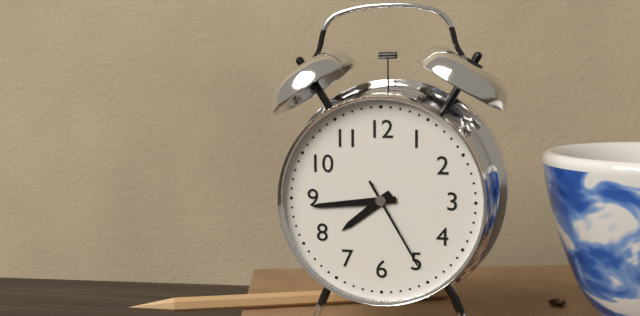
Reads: 7.44.25
